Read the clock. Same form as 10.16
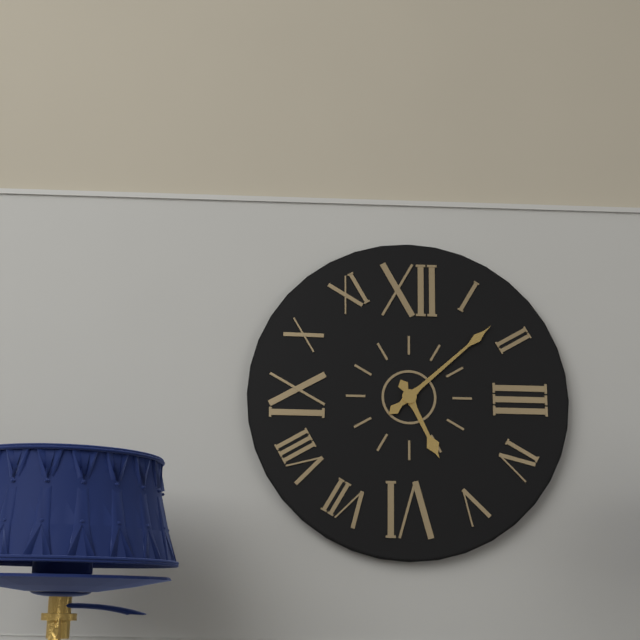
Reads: 5.08
